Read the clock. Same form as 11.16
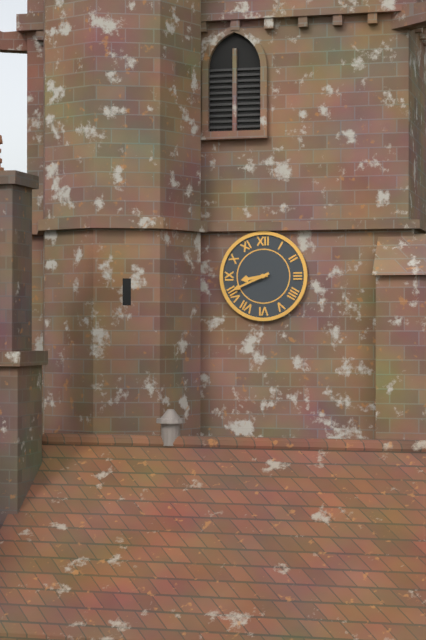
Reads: 8.41
